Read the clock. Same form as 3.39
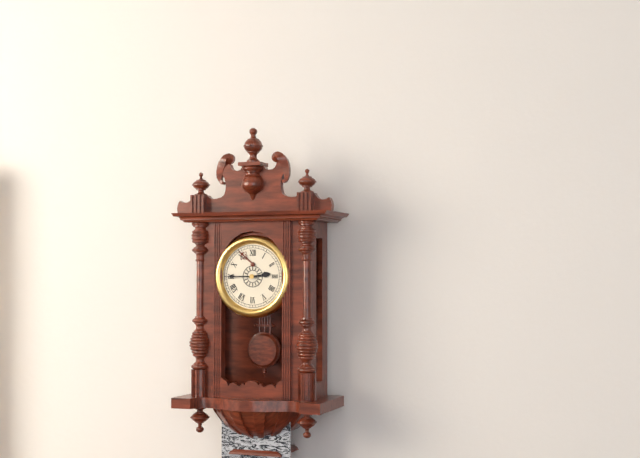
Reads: 2.45
